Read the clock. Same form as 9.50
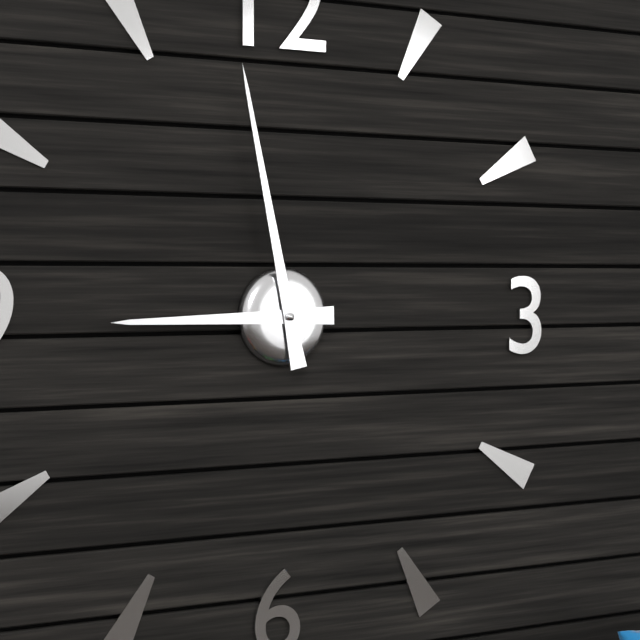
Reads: 8.58
